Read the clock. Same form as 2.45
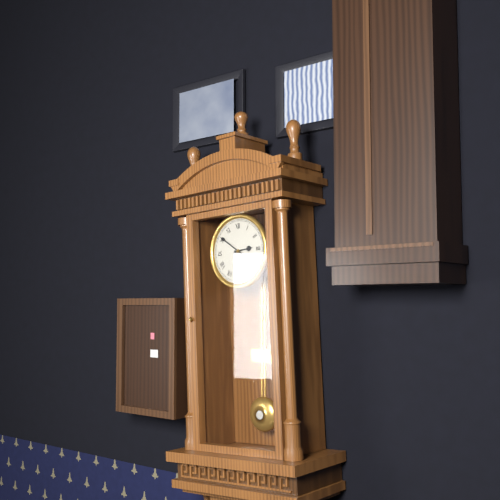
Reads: 2.51
